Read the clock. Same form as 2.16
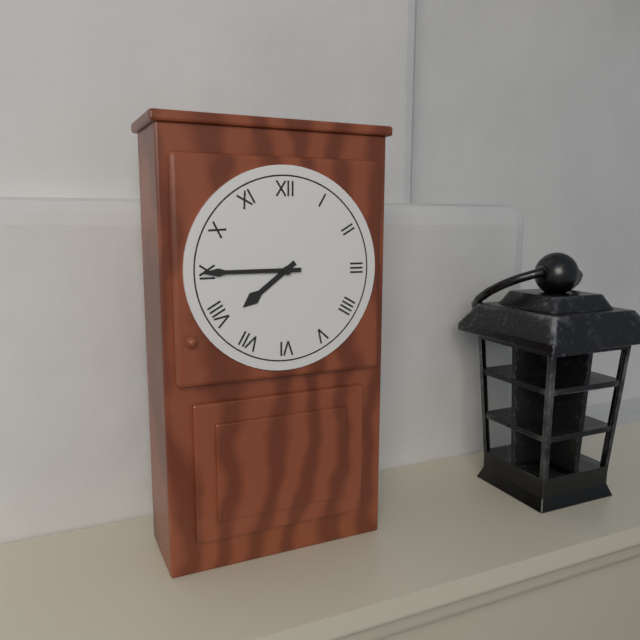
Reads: 7.45
